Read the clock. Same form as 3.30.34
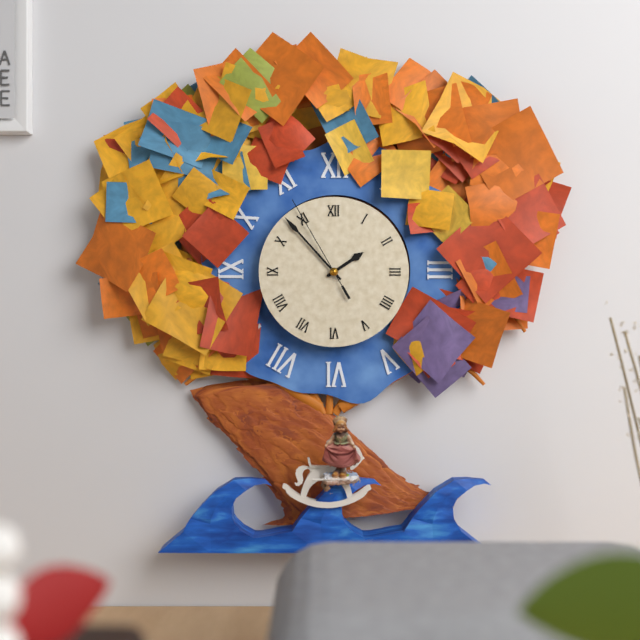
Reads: 1.53.55
